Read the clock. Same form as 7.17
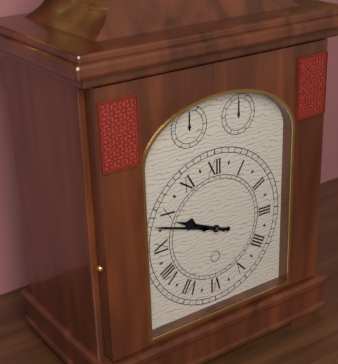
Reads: 9.48
